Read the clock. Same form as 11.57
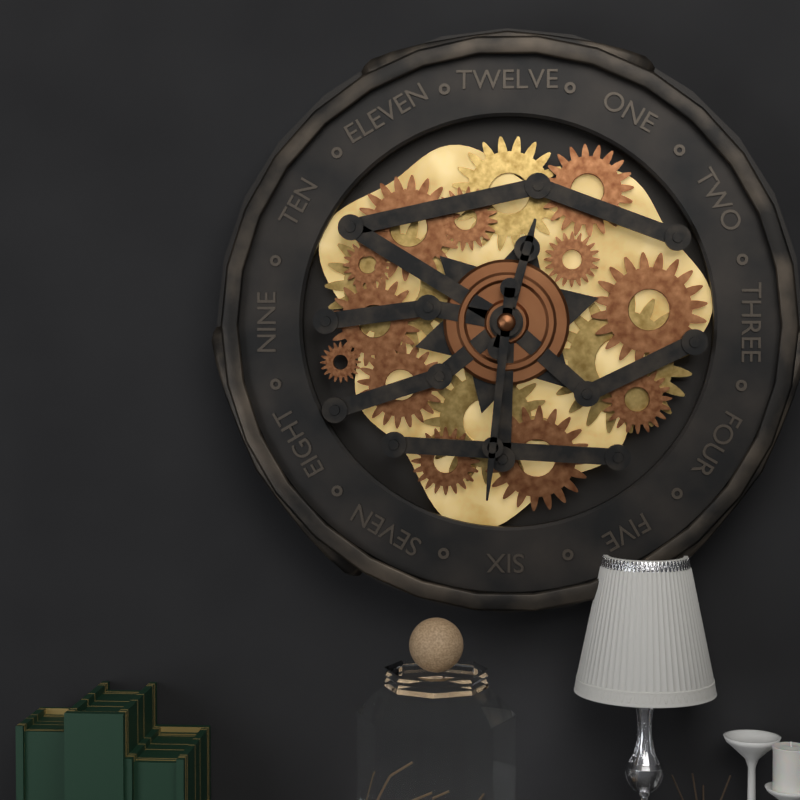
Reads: 12.31
